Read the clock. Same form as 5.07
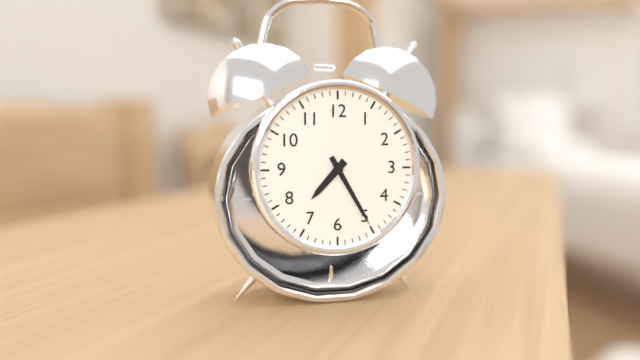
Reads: 7.25
